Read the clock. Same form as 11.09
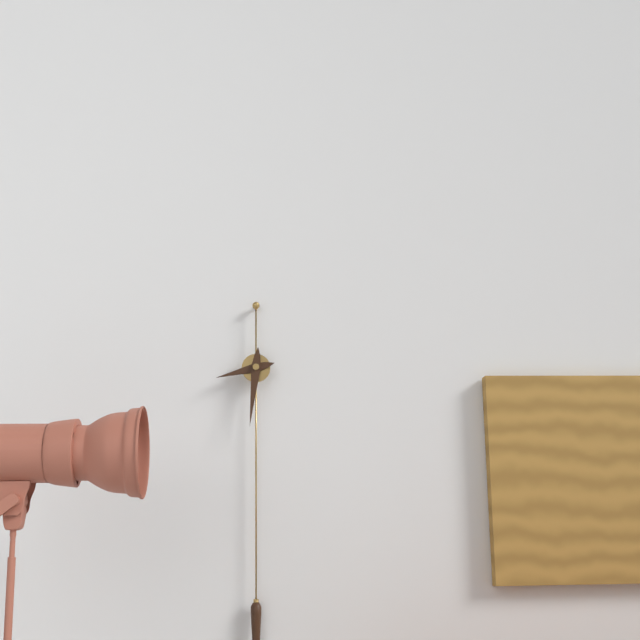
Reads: 8.31
